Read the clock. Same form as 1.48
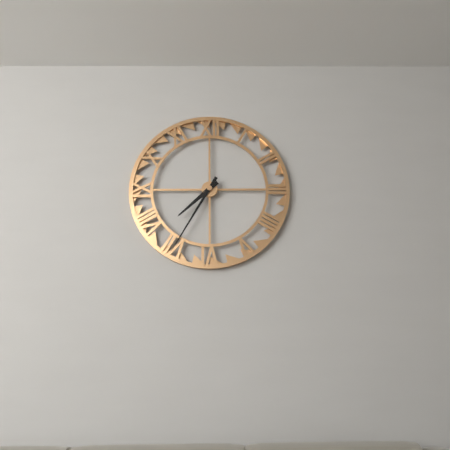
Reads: 7.35
